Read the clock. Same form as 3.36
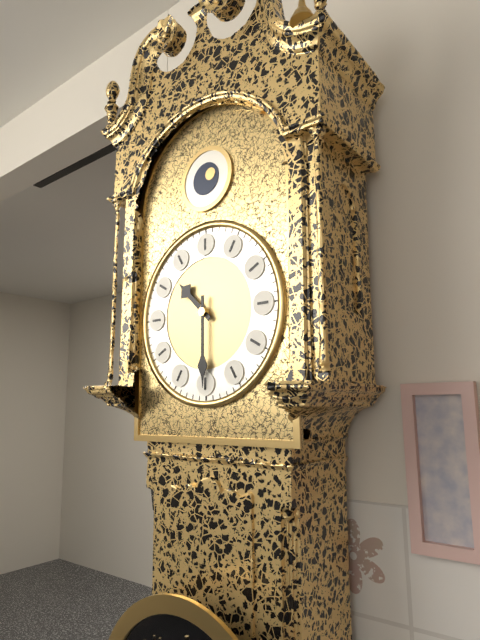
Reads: 10.30
